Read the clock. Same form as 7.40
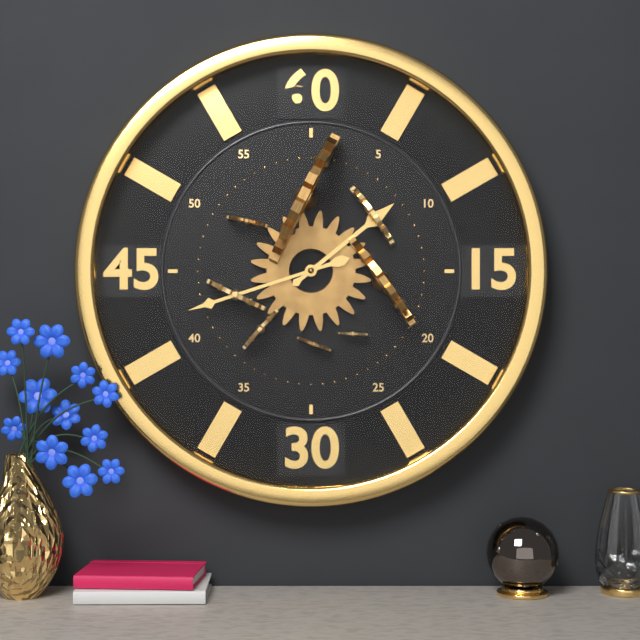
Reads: 1.42
